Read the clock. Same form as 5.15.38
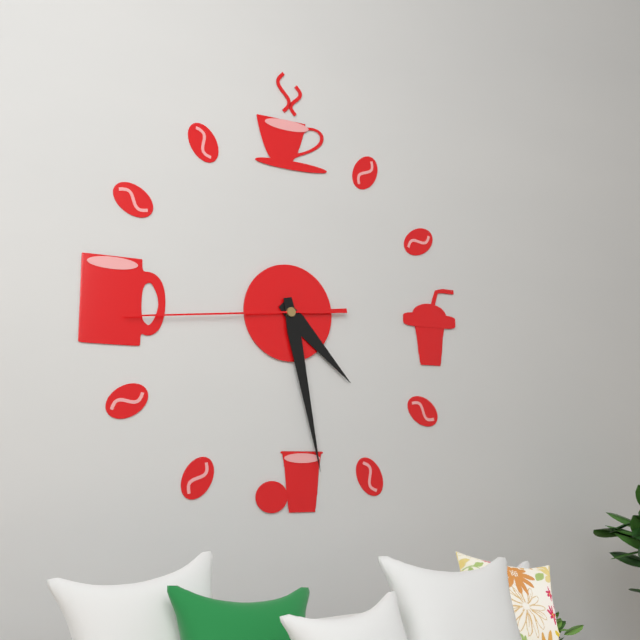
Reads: 4.28.44
